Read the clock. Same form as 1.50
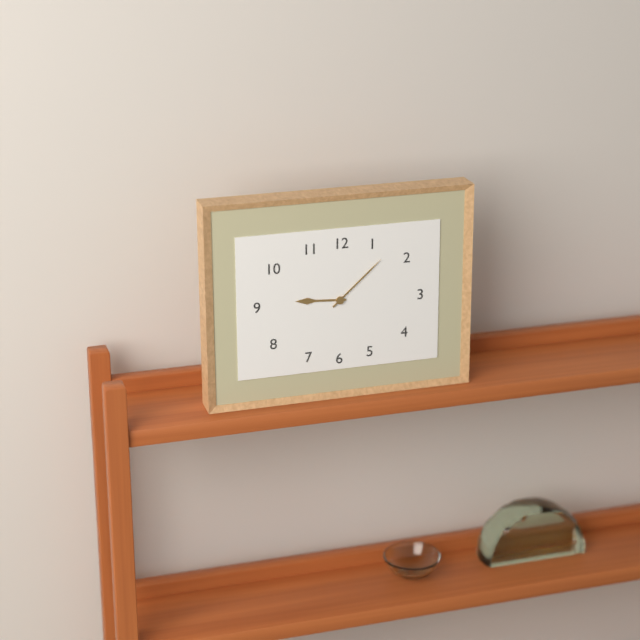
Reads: 9.08
